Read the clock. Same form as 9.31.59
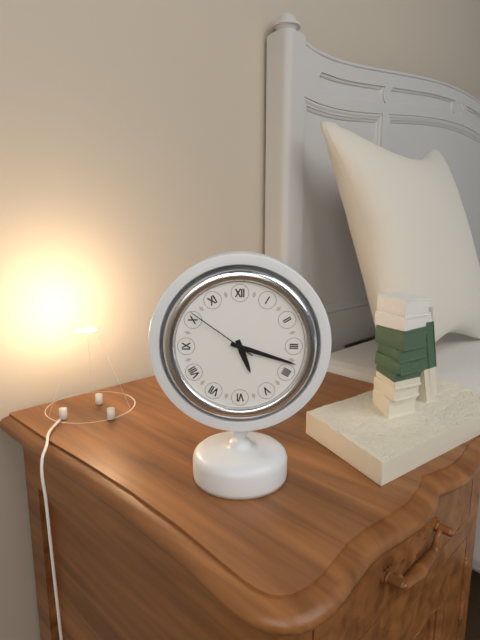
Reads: 5.18.51
